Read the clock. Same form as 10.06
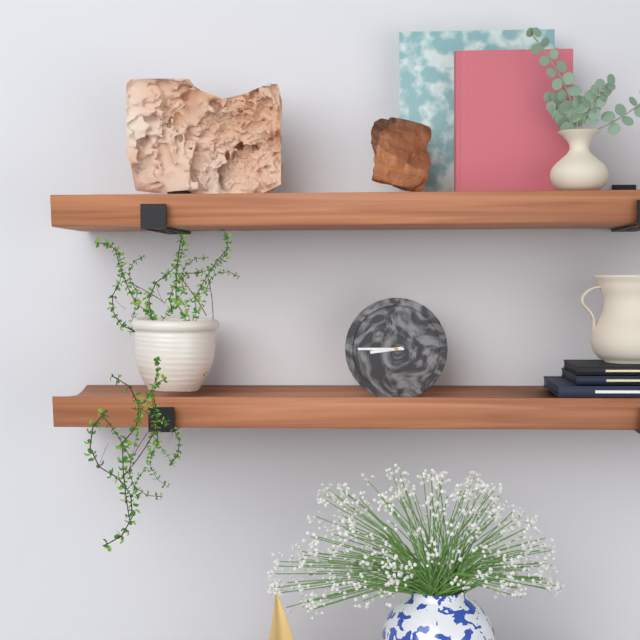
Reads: 8.45
